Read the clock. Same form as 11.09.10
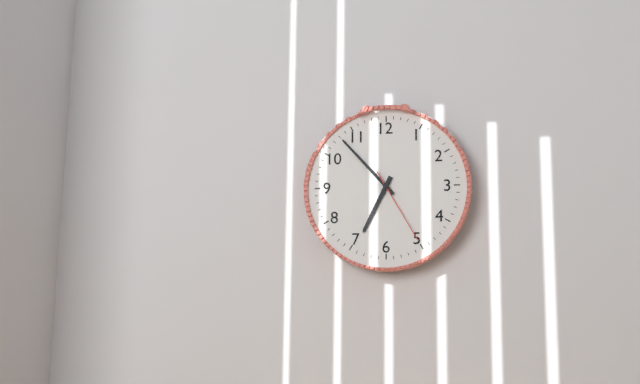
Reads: 6.53.25
